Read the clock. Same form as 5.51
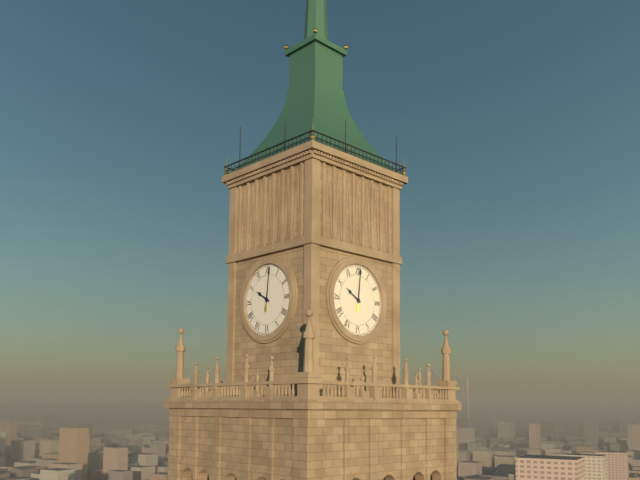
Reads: 10.01
